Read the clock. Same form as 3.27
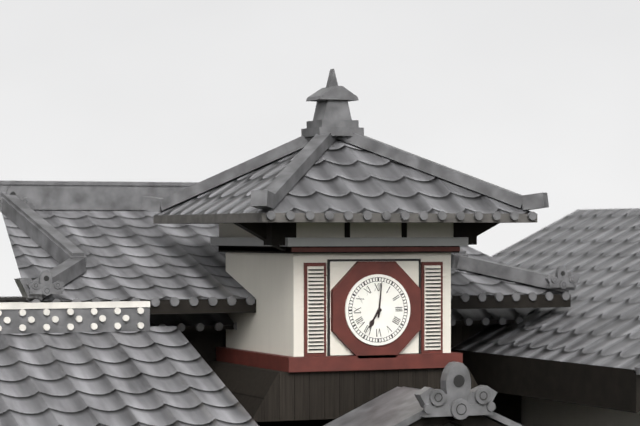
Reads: 7.01
